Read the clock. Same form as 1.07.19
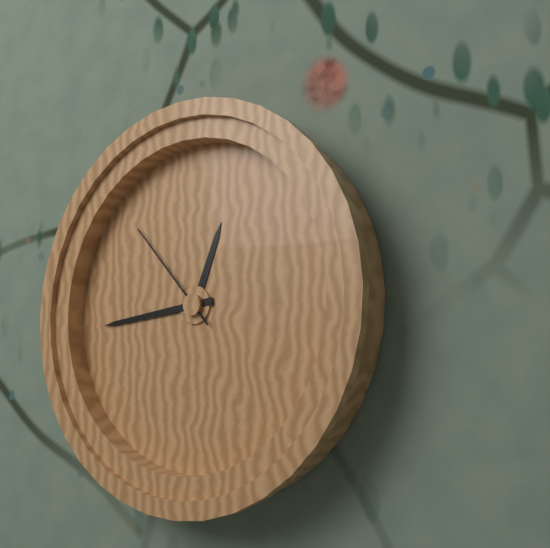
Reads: 12.44.53
